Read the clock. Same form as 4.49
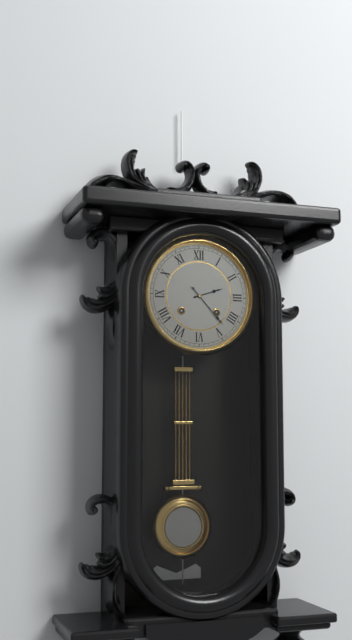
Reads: 2.23
